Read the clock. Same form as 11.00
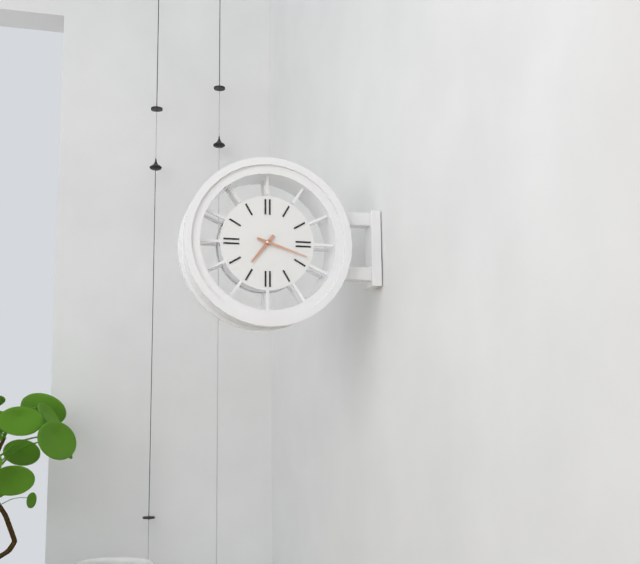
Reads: 7.18
